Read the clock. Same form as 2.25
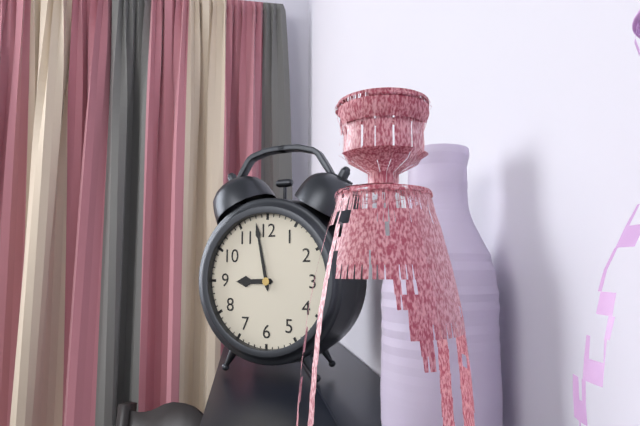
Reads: 8.58
